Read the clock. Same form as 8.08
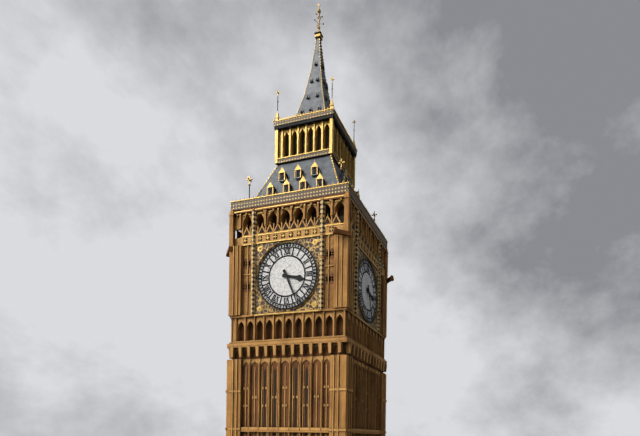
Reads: 3.26
